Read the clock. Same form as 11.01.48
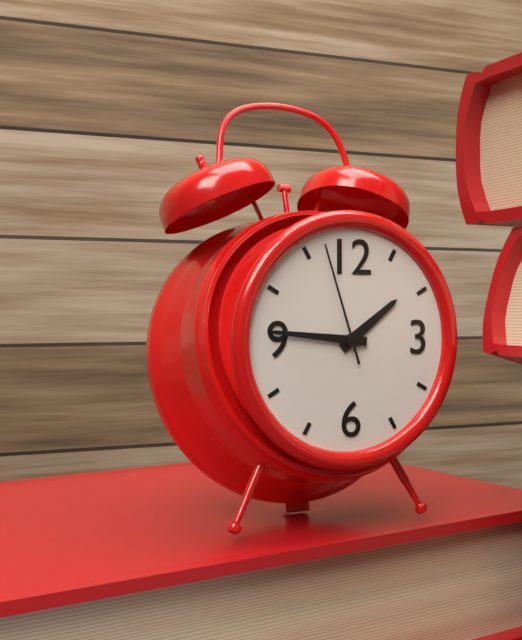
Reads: 1.46.57
